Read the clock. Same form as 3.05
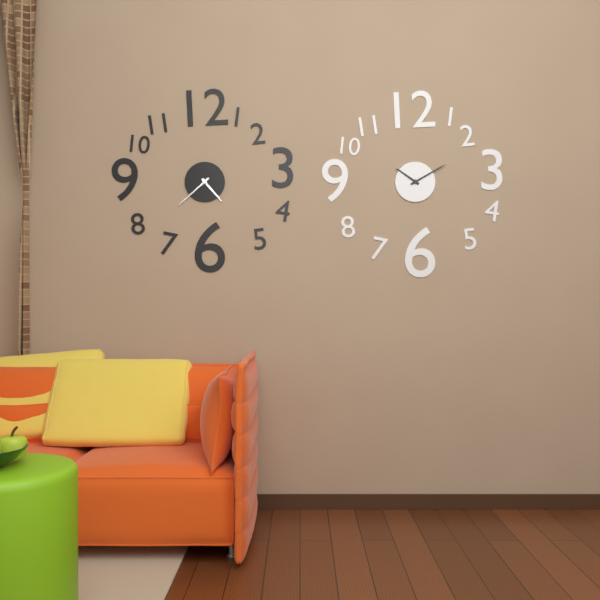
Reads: 4.38
